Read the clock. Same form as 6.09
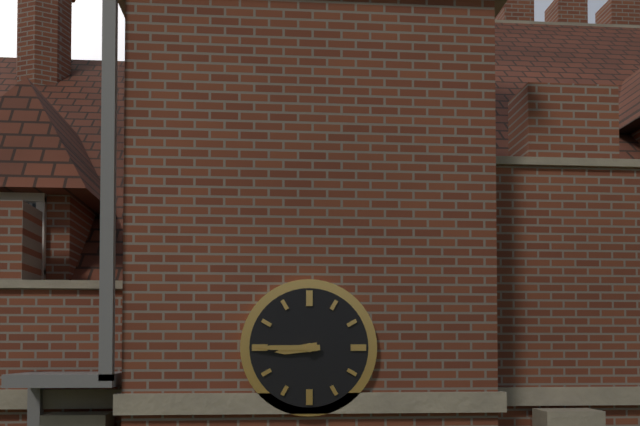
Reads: 8.45
